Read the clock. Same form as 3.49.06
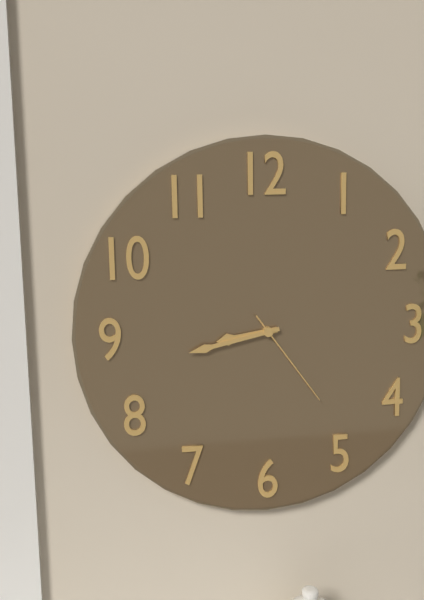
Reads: 8.43.24
